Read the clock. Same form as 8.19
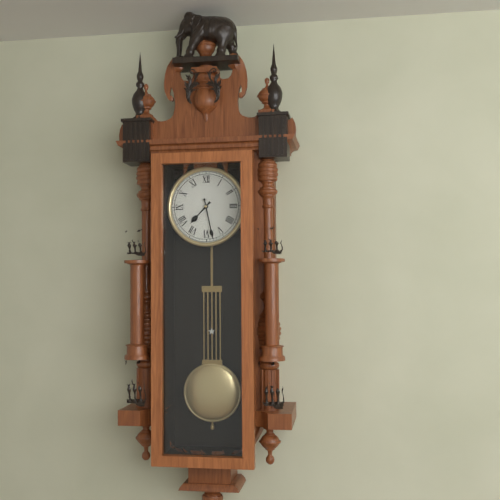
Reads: 7.28
